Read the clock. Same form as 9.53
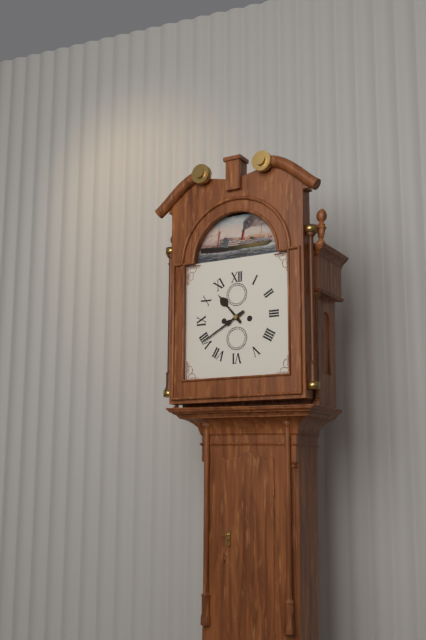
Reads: 10.40
